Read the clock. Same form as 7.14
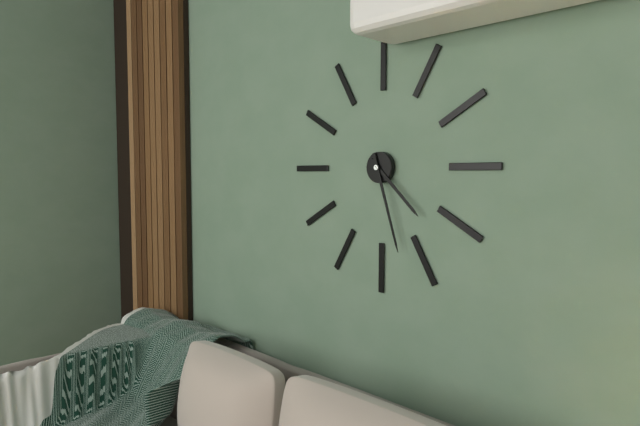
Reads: 4.27
